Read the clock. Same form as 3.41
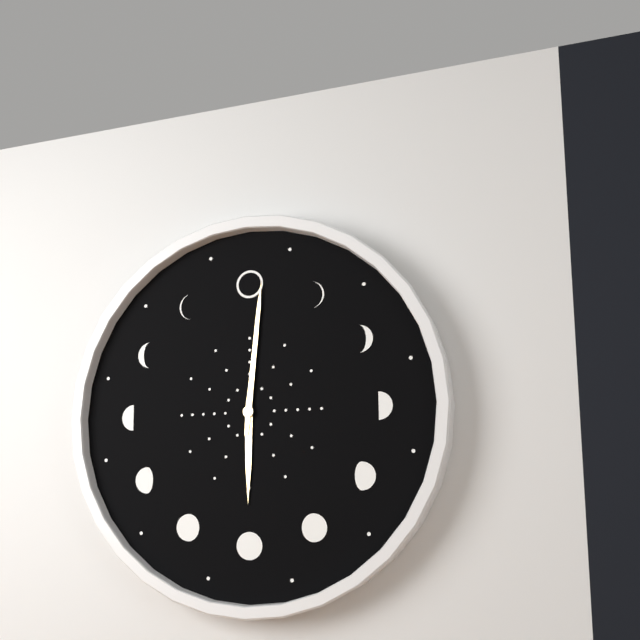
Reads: 6.01
